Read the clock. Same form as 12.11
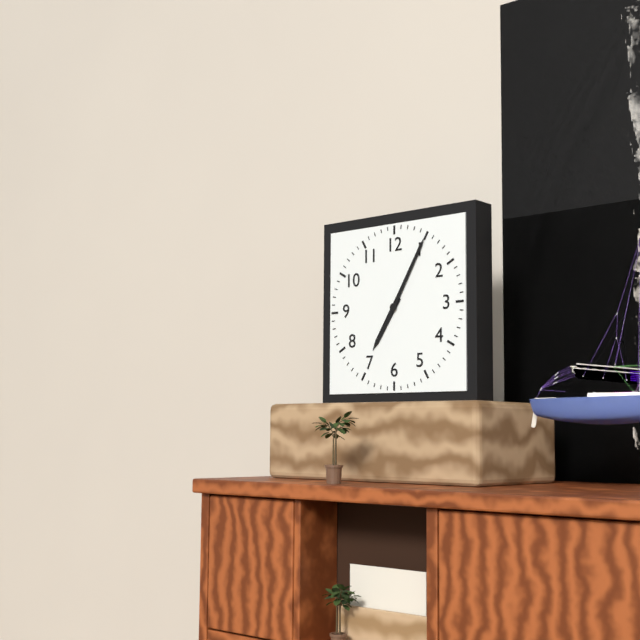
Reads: 7.05
